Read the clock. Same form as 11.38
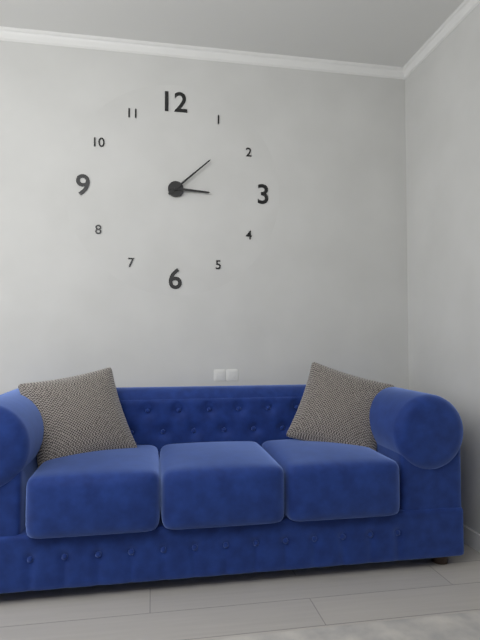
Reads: 3.08
